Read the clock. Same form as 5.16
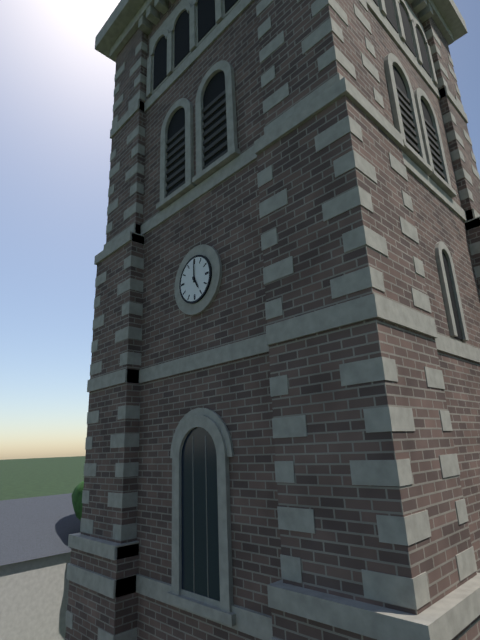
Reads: 5.00
